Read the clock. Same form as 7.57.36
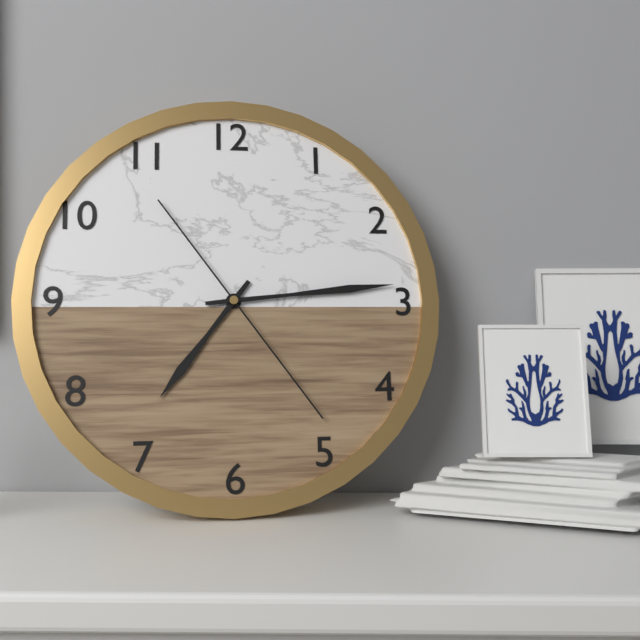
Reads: 7.14.24
